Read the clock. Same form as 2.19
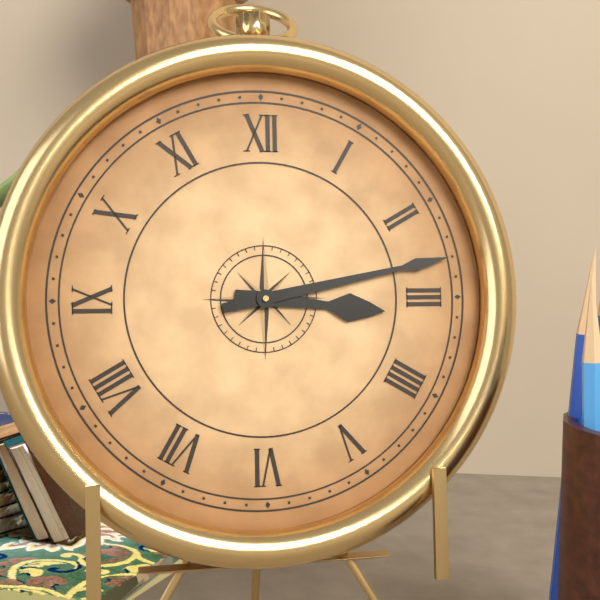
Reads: 3.13
